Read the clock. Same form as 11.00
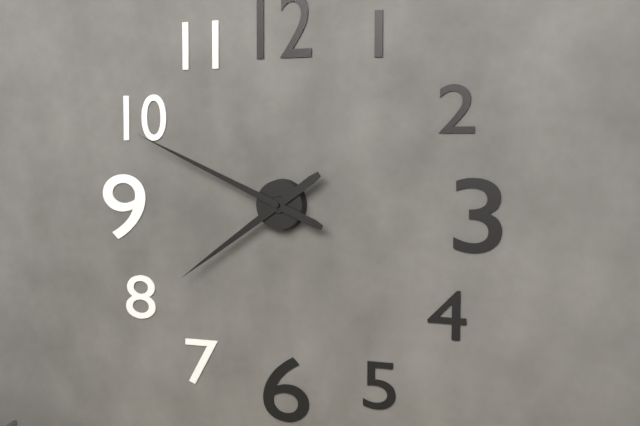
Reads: 7.49
